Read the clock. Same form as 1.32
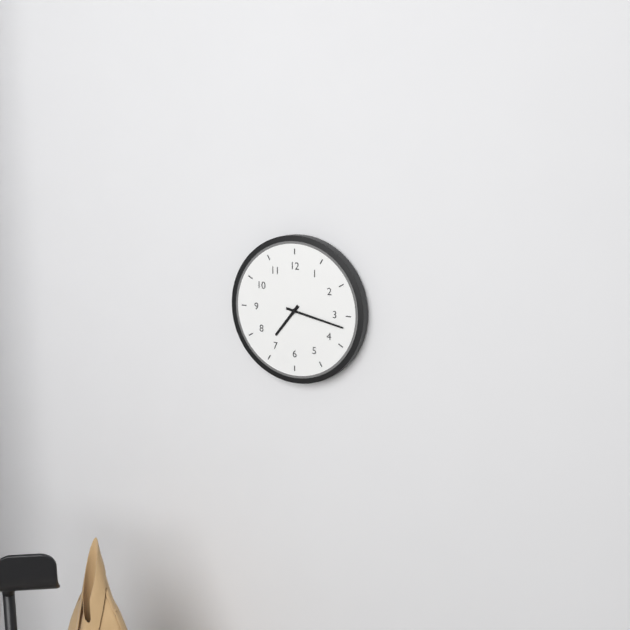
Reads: 7.17
